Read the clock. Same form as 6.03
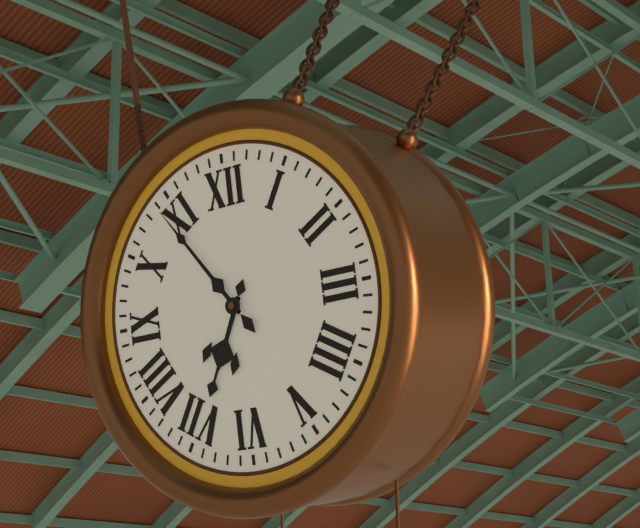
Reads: 6.54
